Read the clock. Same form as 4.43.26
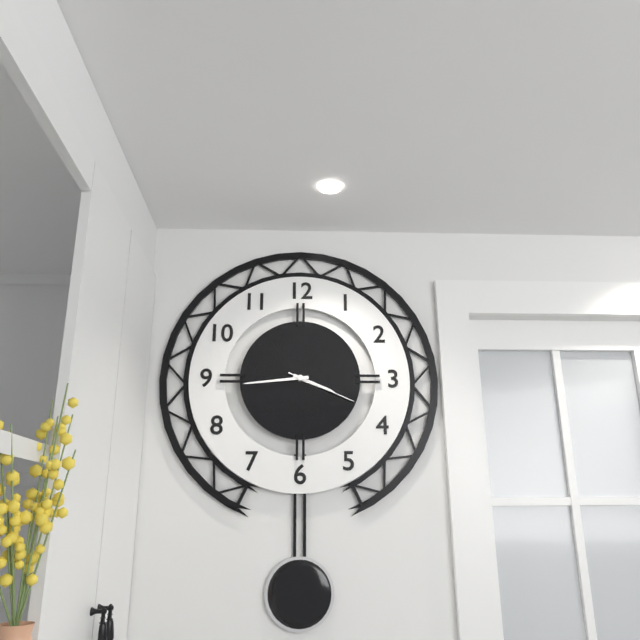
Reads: 3.44.19
